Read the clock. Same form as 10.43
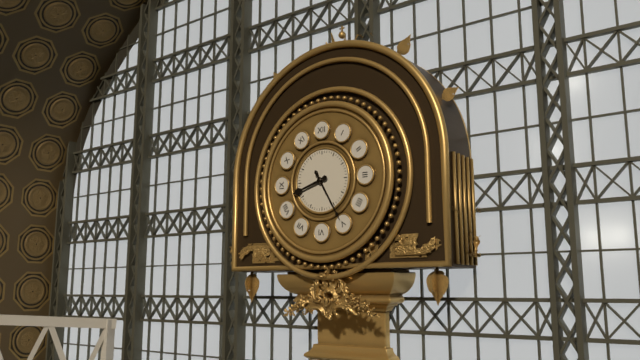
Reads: 8.25
